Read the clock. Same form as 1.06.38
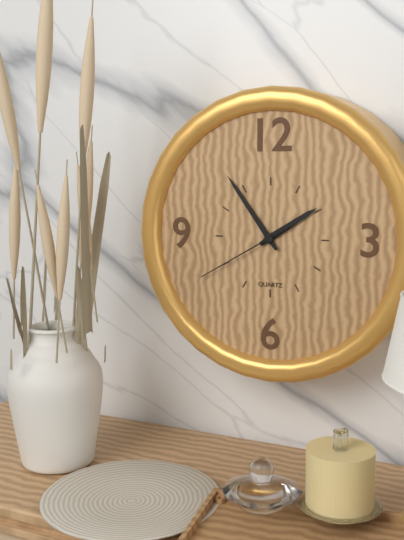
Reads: 1.54.40
